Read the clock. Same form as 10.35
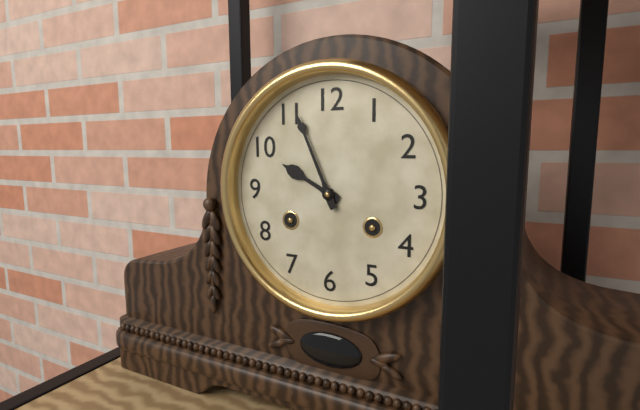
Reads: 9.56
